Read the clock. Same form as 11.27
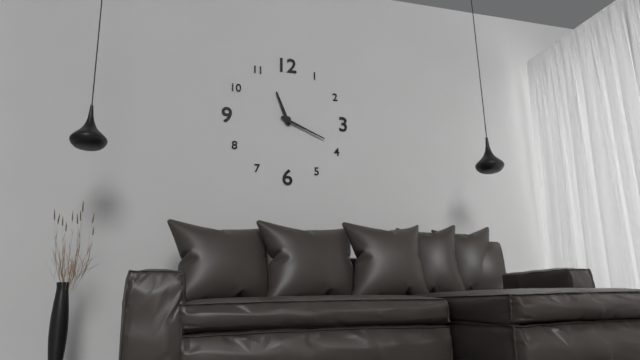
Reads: 11.19
